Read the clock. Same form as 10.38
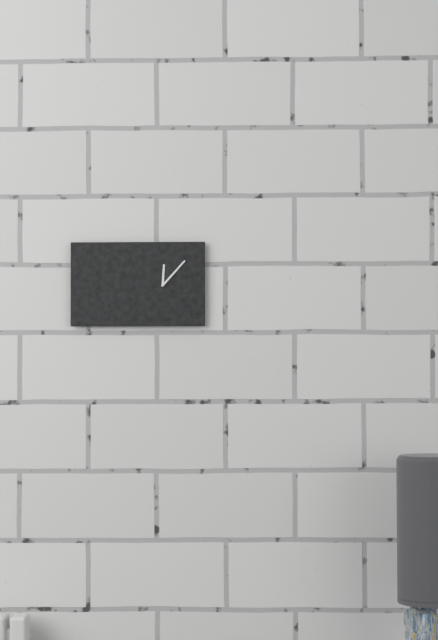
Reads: 12.07
